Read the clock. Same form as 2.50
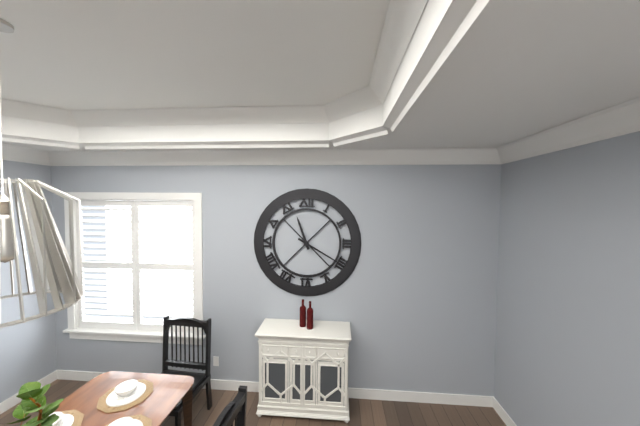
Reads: 11.20
